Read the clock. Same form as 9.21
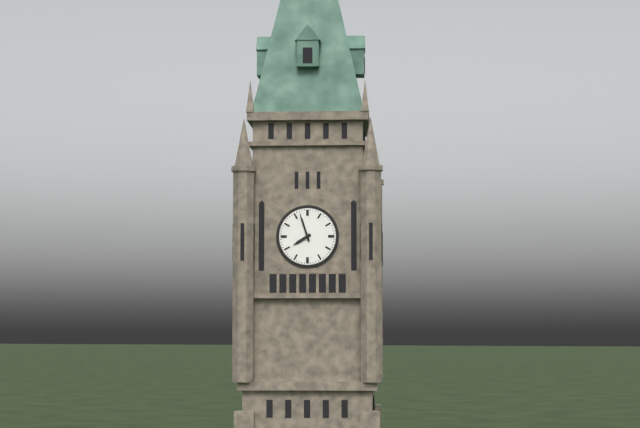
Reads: 7.57
